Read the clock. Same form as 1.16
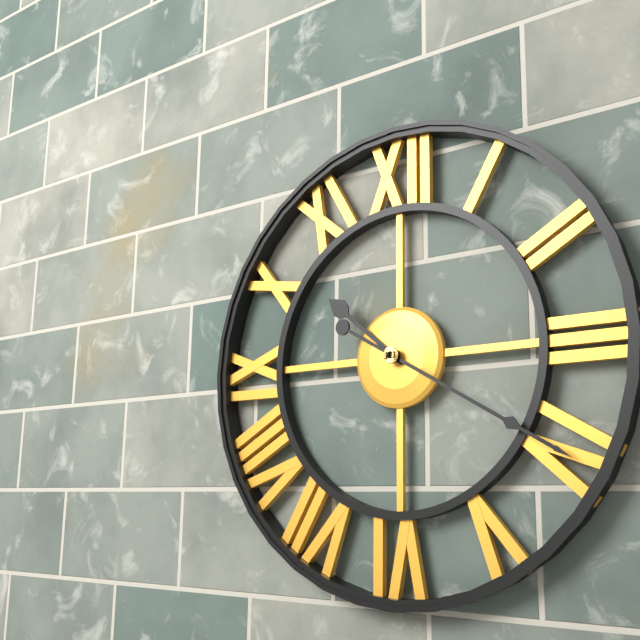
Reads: 10.20
